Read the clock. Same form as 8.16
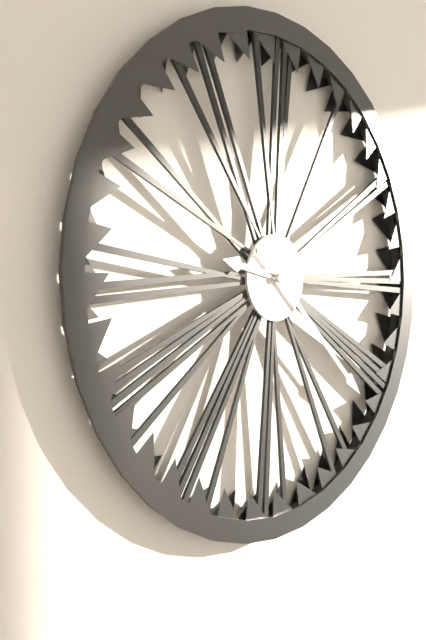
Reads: 9.22
